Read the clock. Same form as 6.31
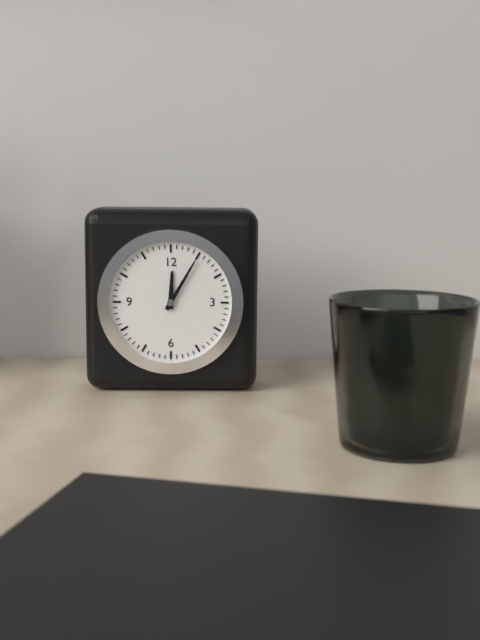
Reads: 12.05
